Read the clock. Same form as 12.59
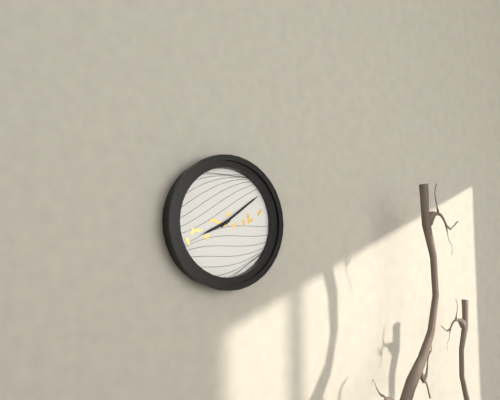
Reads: 8.09
